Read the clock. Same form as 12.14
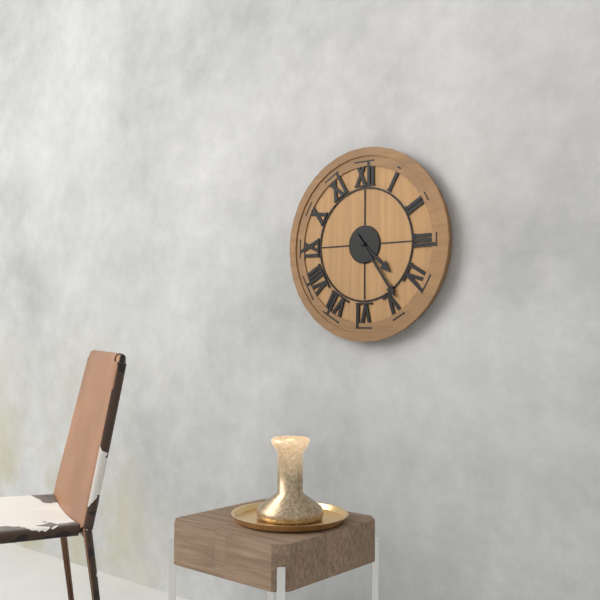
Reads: 4.24
